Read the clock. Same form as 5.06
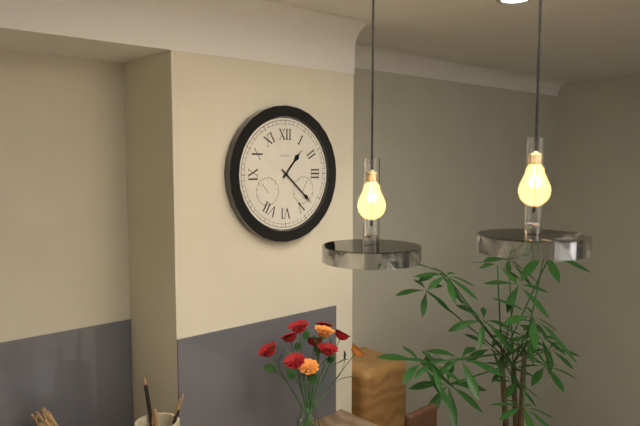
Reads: 1.22
